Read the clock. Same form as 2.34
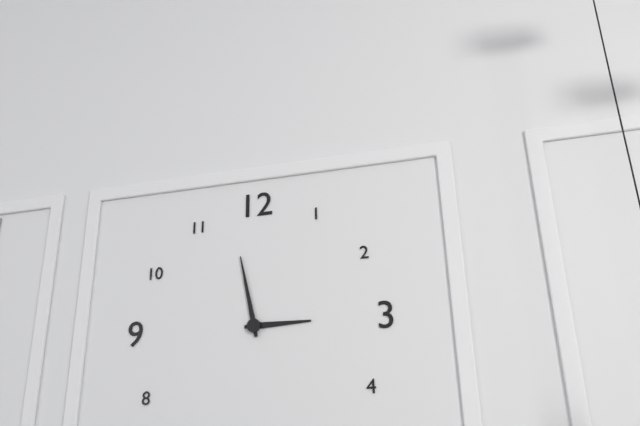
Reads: 2.58
